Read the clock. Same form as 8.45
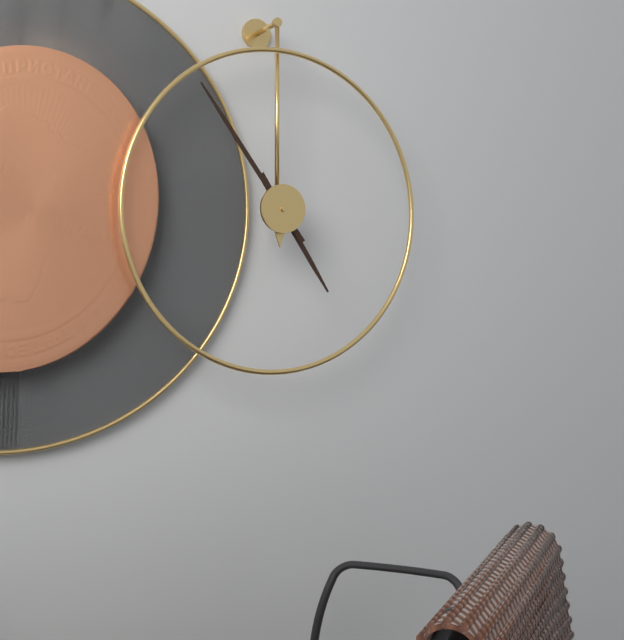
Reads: 4.54
